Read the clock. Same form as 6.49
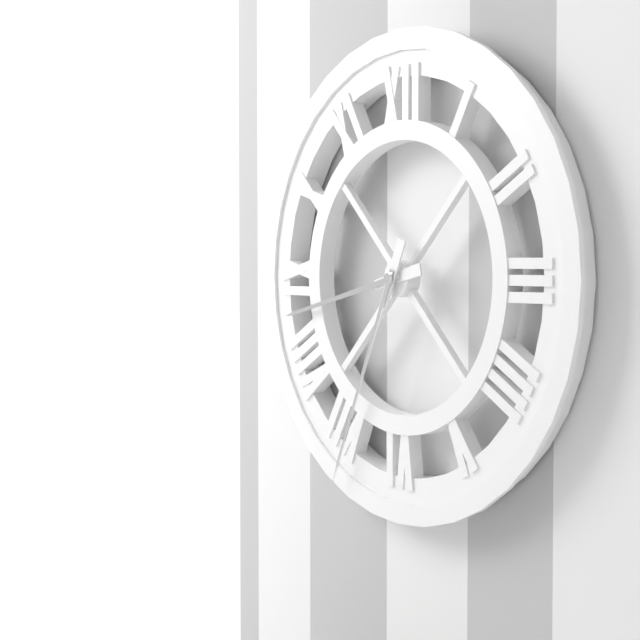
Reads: 8.34
